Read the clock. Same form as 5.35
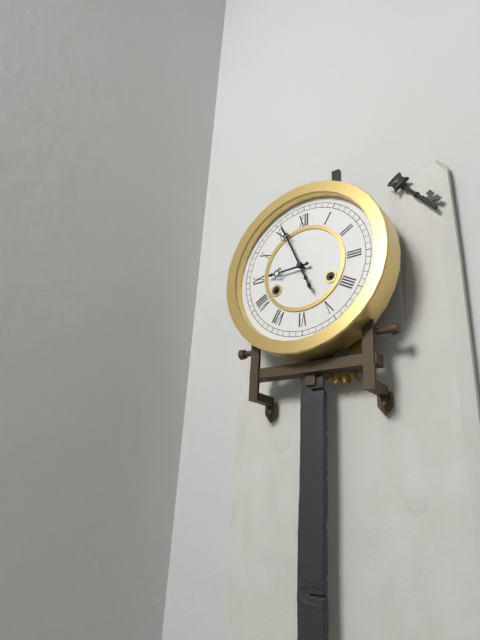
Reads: 8.56
